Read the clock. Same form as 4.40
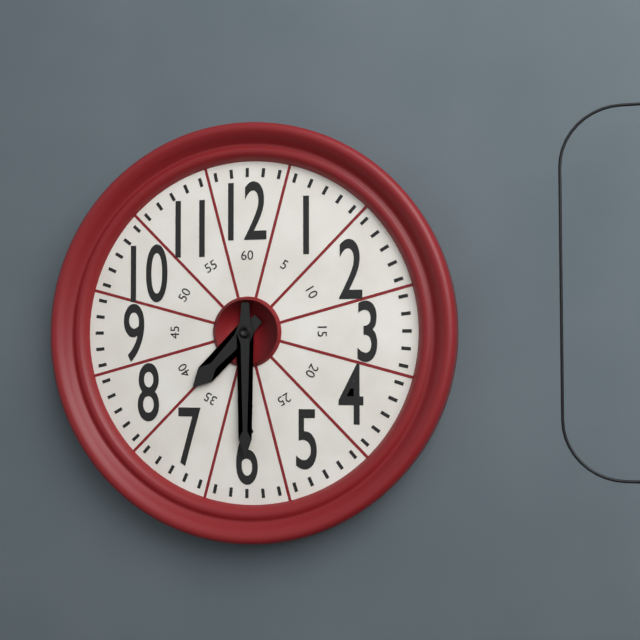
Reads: 7.30
